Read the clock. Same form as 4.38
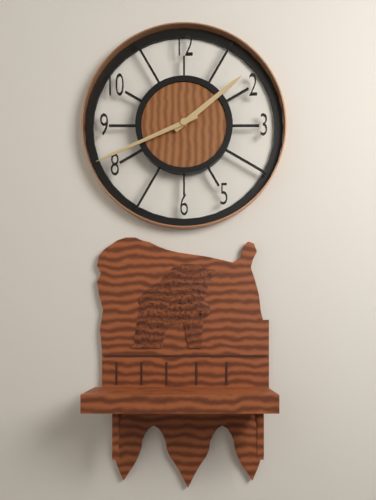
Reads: 1.41
